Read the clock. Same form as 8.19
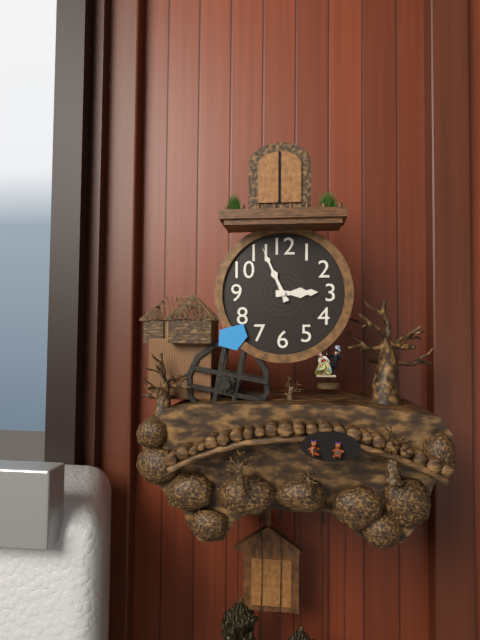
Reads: 2.56
